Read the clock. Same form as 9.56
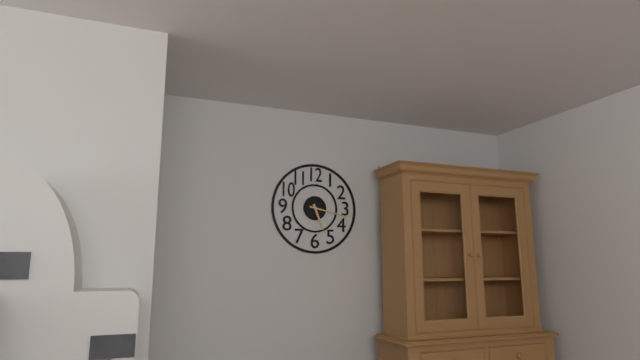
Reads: 5.17
